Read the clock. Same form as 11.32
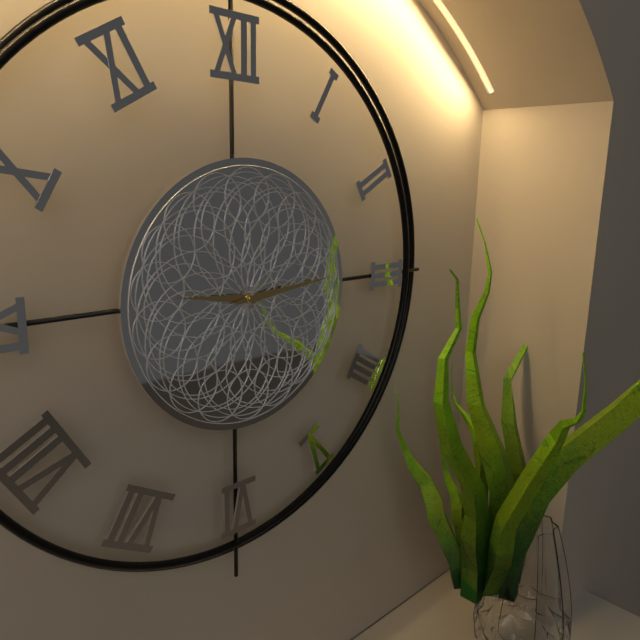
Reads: 9.14
